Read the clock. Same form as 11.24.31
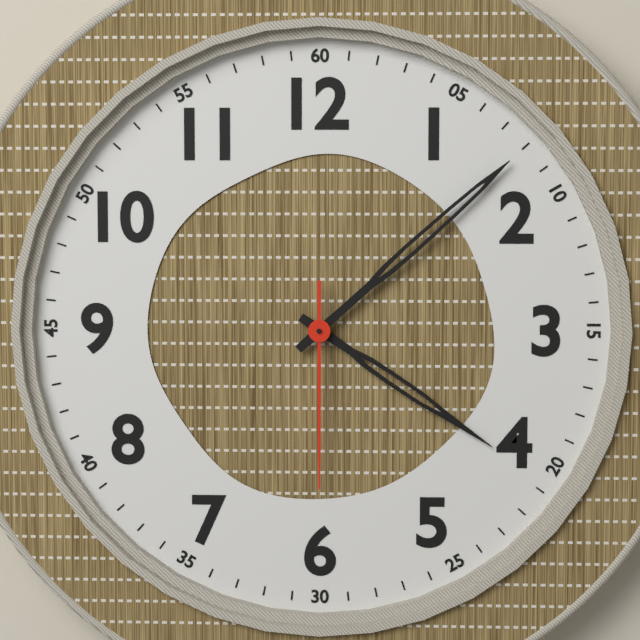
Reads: 4.08.30
